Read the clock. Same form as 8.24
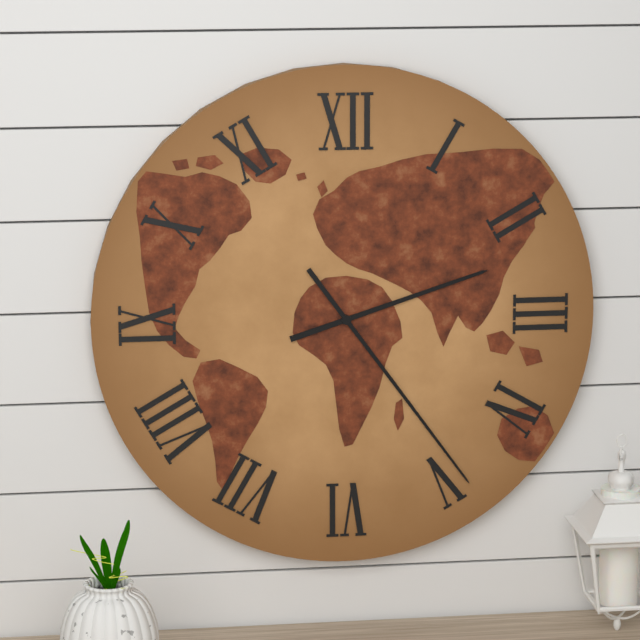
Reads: 2.24
